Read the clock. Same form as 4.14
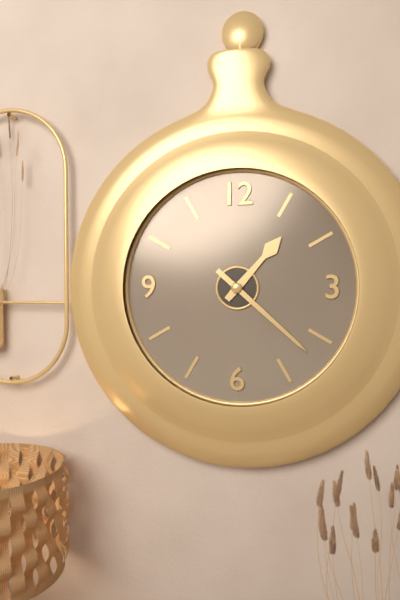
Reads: 1.22
